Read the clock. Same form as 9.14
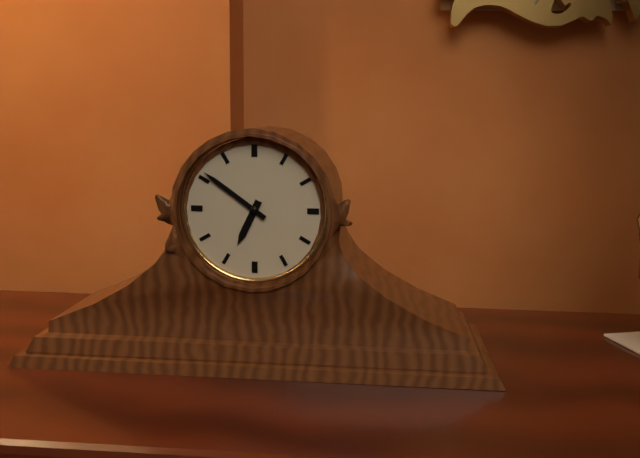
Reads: 6.51
